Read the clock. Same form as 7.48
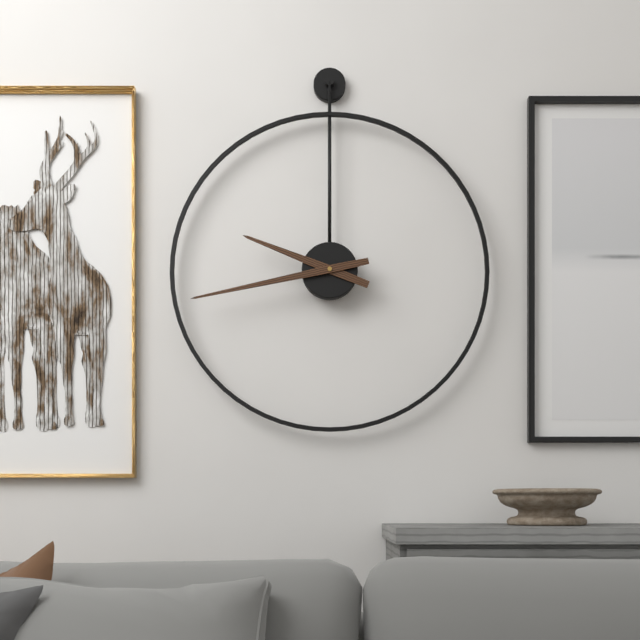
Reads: 9.43
